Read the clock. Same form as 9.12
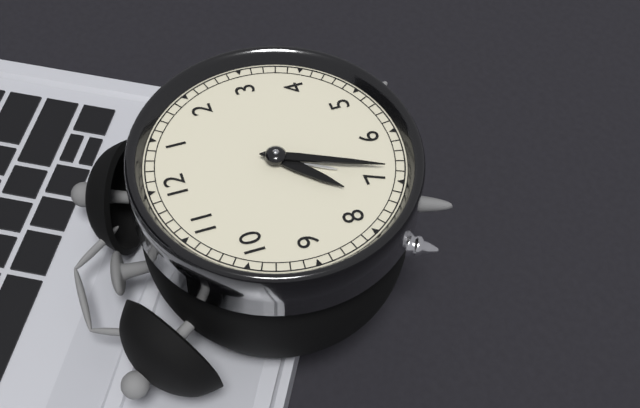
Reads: 7.34
